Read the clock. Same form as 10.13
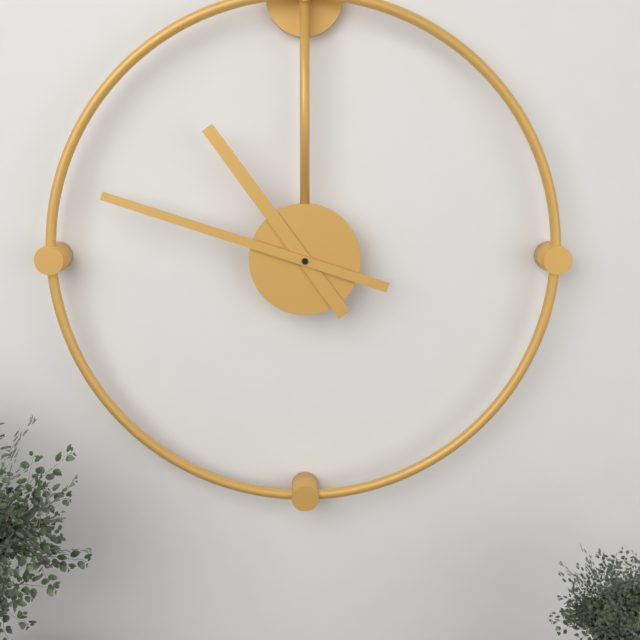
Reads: 10.48
